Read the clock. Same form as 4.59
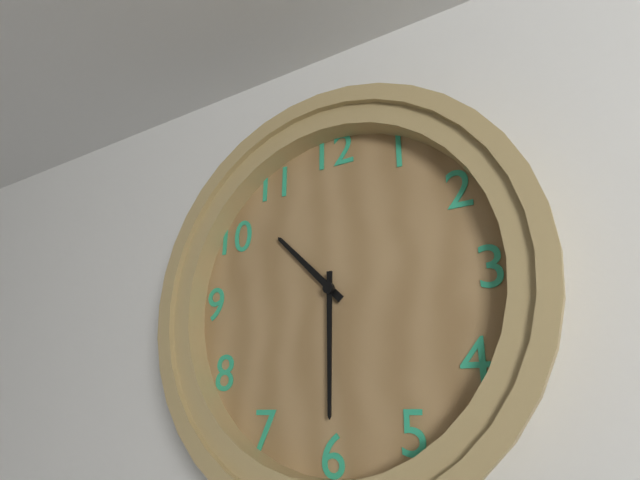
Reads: 10.30
